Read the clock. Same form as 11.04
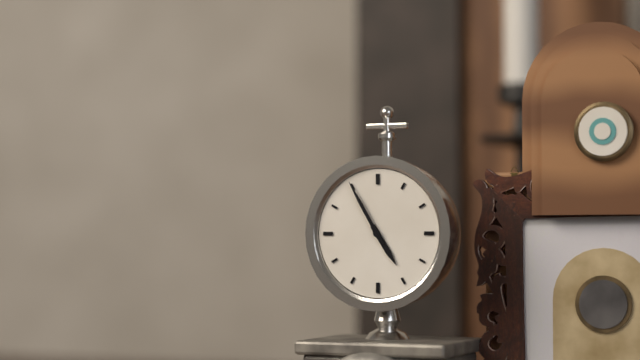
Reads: 4.55
